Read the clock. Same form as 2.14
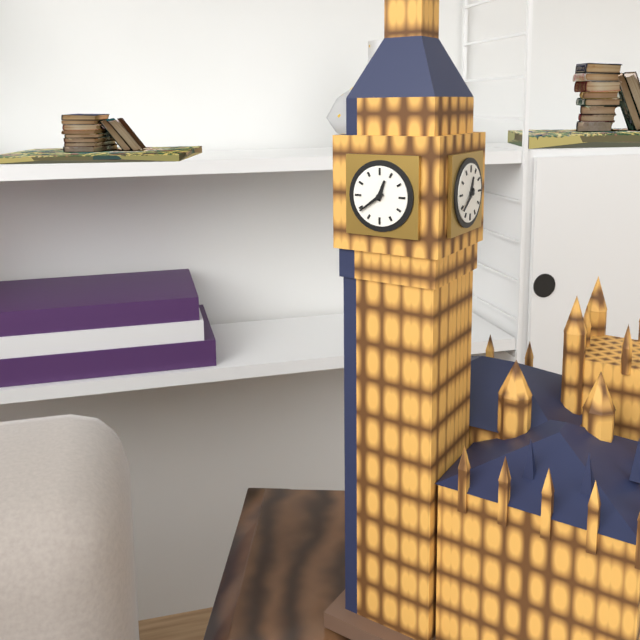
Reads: 12.39
